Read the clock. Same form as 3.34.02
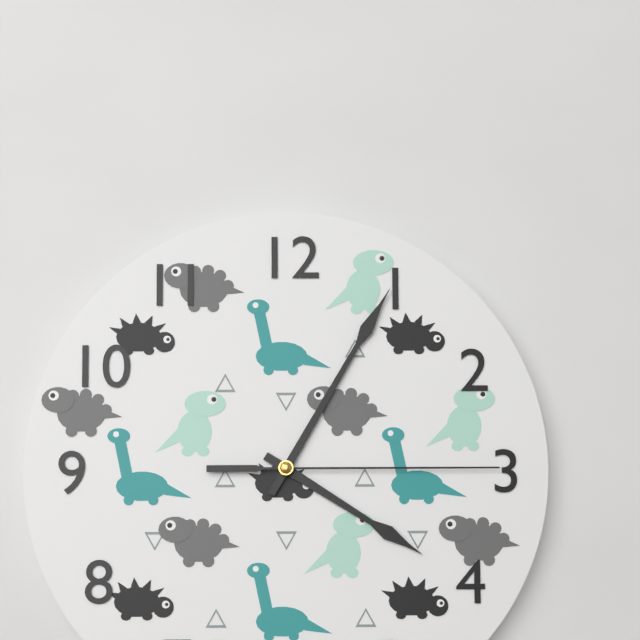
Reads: 4.05.15
